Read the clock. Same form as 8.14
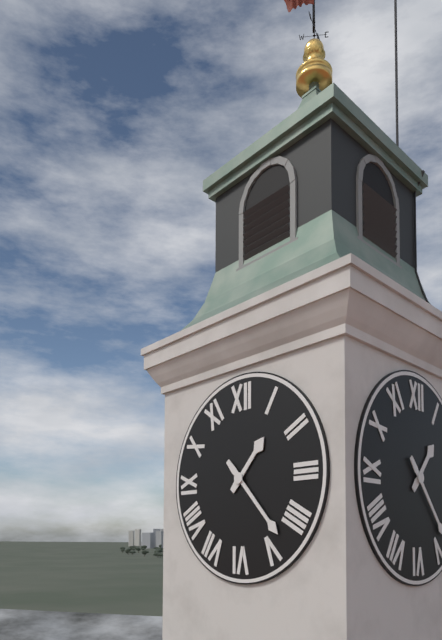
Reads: 1.23
